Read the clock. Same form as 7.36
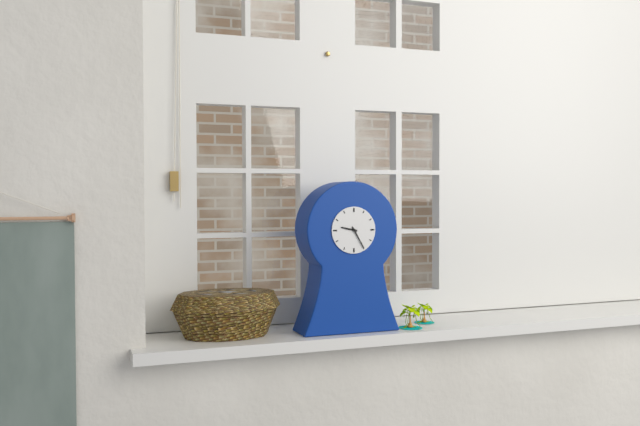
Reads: 9.25
